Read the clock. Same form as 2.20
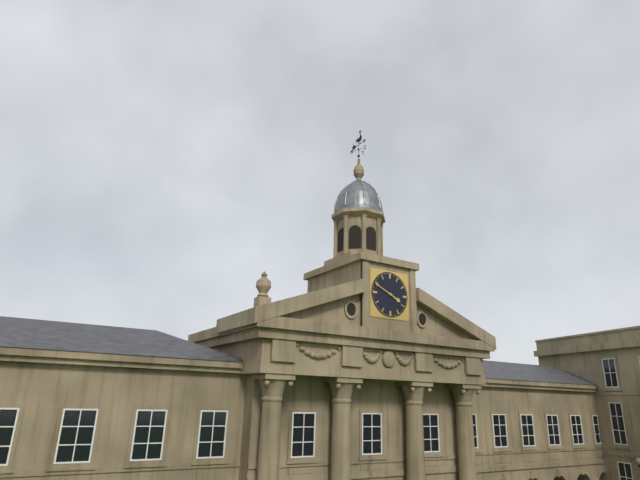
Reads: 3.49
